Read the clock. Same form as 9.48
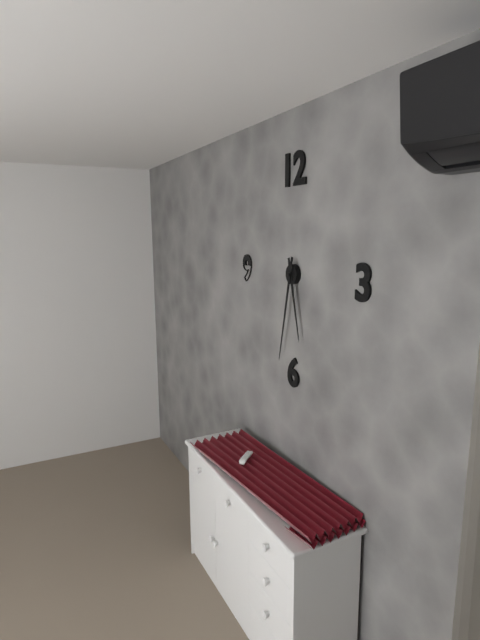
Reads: 5.32
